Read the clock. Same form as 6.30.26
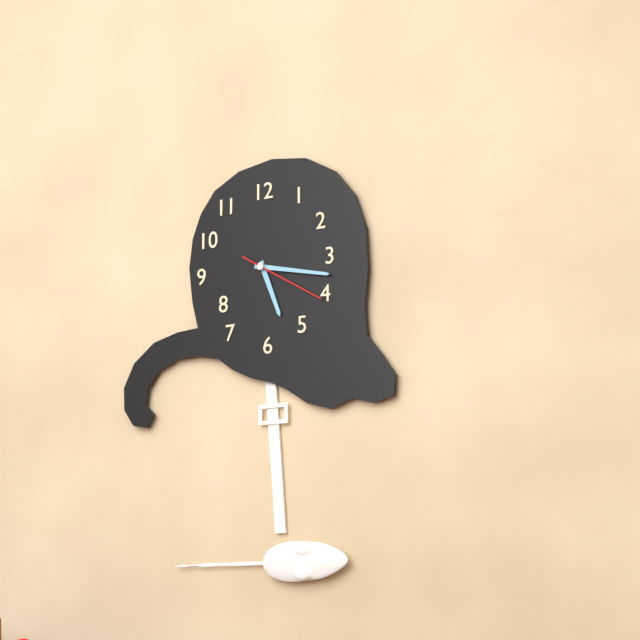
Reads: 5.17.20
